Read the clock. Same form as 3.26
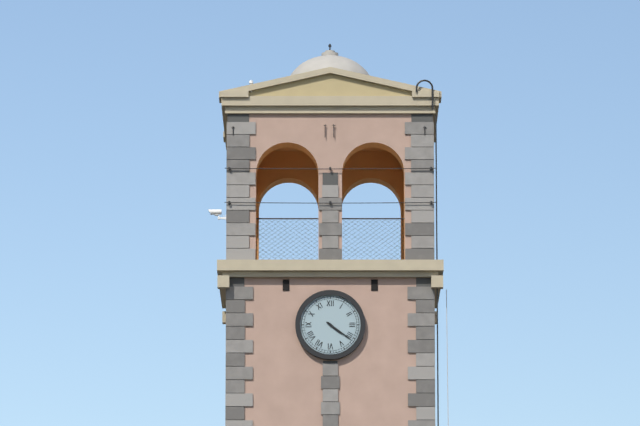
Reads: 4.21
